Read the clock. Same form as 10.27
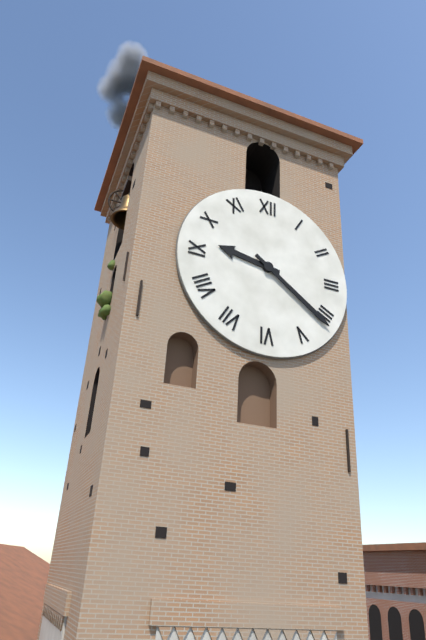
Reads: 9.21
